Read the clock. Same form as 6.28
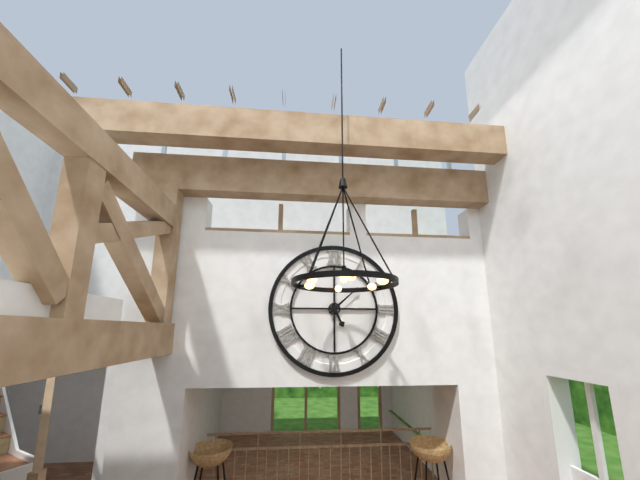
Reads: 5.08
